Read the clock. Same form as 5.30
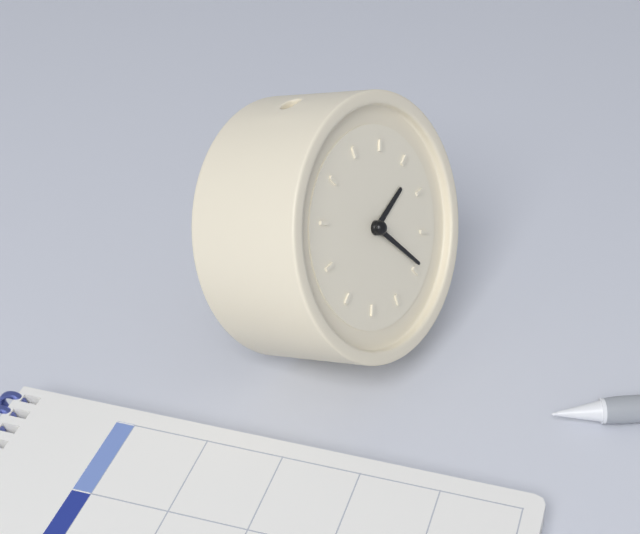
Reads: 2.24
